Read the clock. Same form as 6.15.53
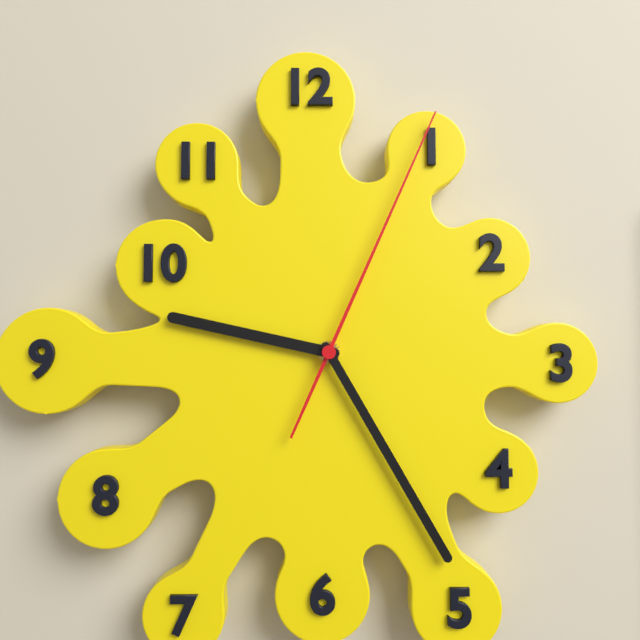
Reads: 9.25.04
